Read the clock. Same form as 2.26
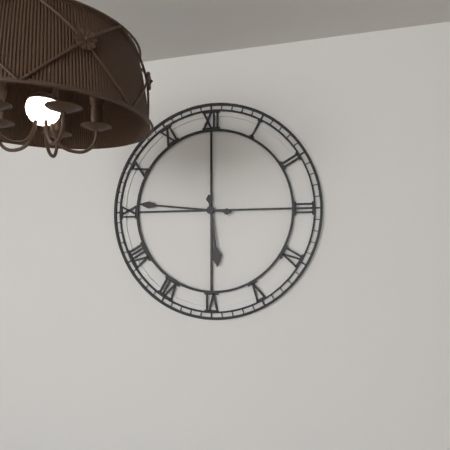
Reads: 5.46
